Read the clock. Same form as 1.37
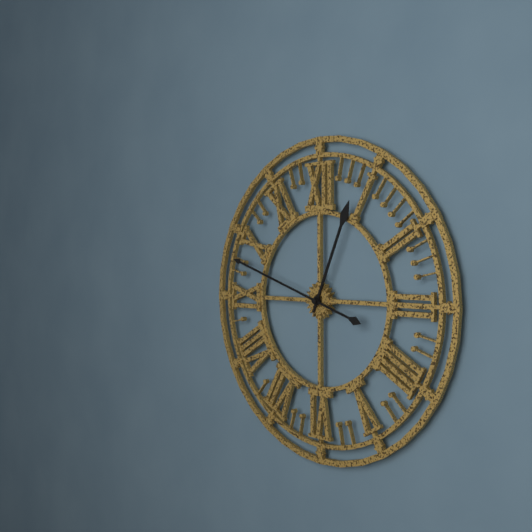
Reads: 12.48
